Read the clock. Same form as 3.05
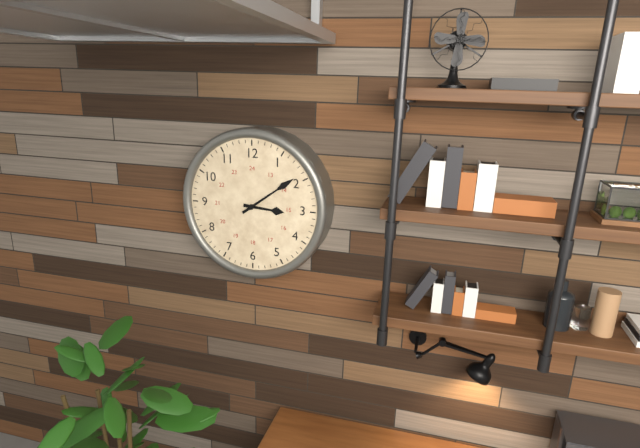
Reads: 3.09
